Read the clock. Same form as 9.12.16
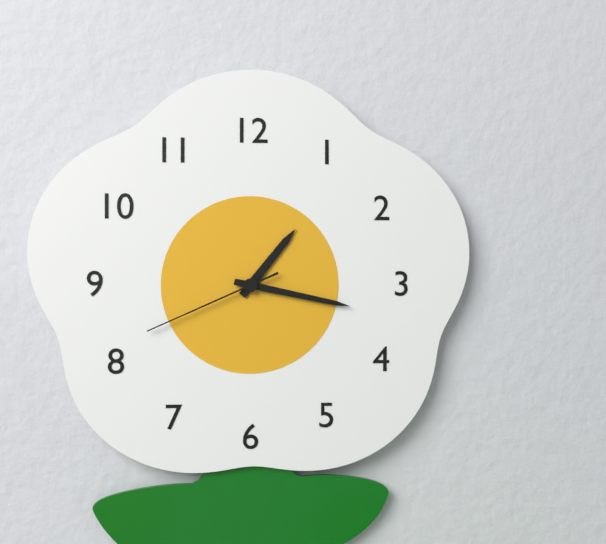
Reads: 1.17.41
